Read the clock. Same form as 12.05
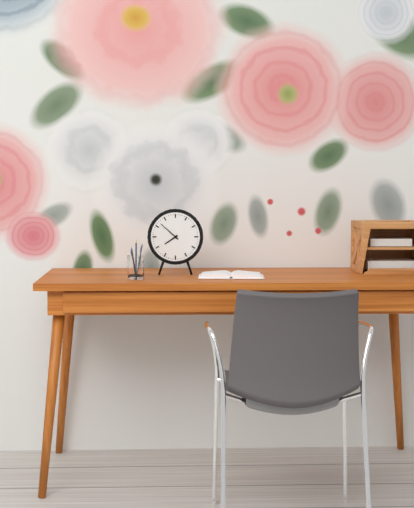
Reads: 7.52
